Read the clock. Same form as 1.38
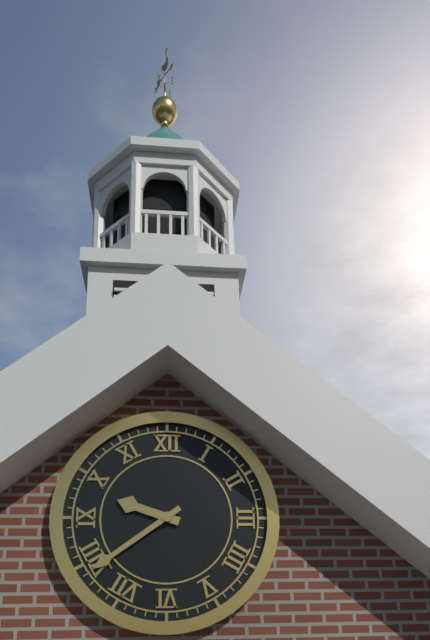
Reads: 9.39
